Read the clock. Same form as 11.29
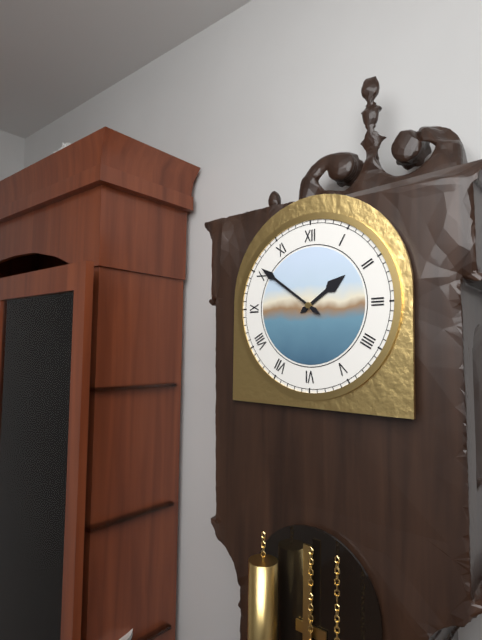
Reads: 1.51
